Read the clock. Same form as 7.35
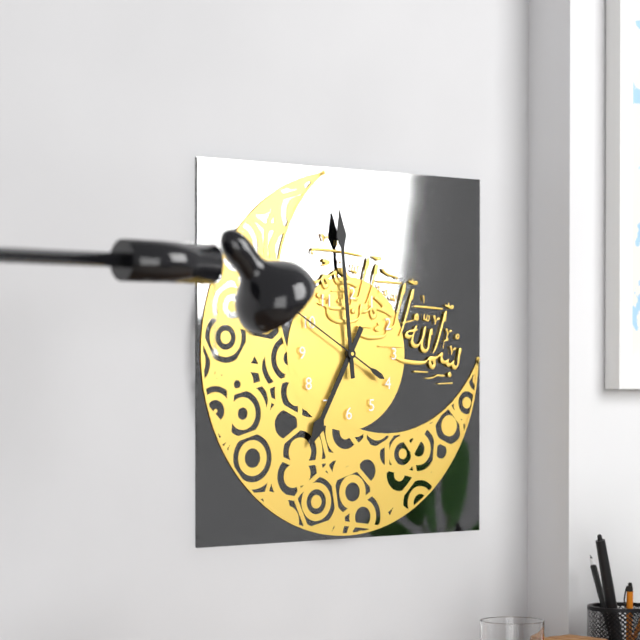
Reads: 6.59
